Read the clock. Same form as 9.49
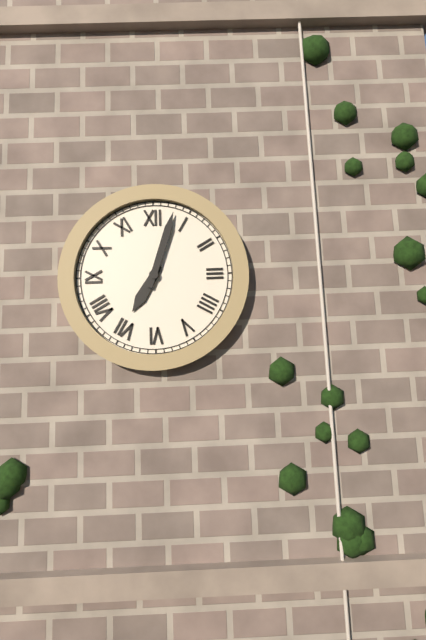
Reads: 7.03
